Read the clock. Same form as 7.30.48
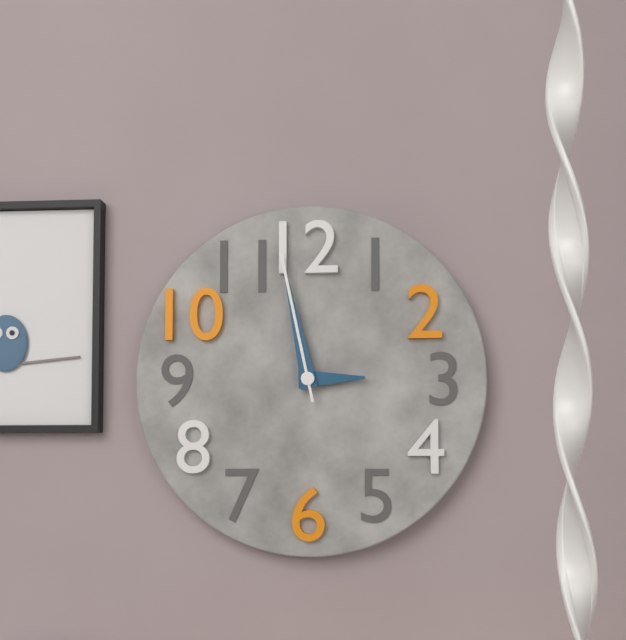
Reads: 2.58.58
